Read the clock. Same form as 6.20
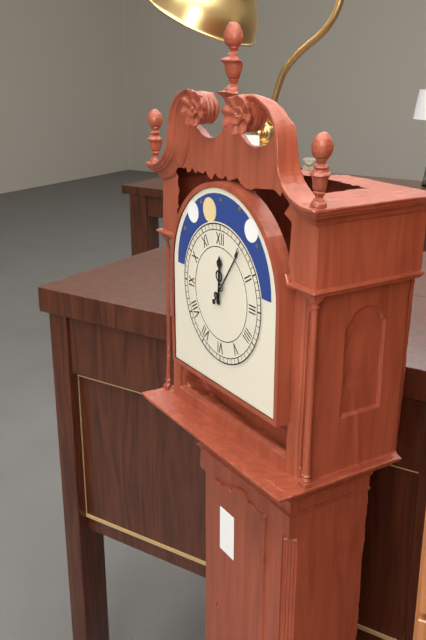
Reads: 12.06
